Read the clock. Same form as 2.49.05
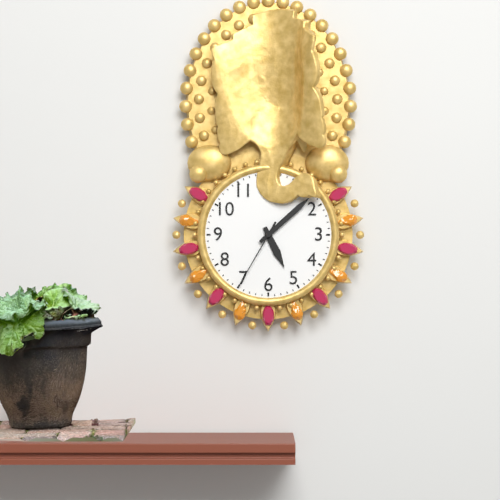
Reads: 5.08.35
